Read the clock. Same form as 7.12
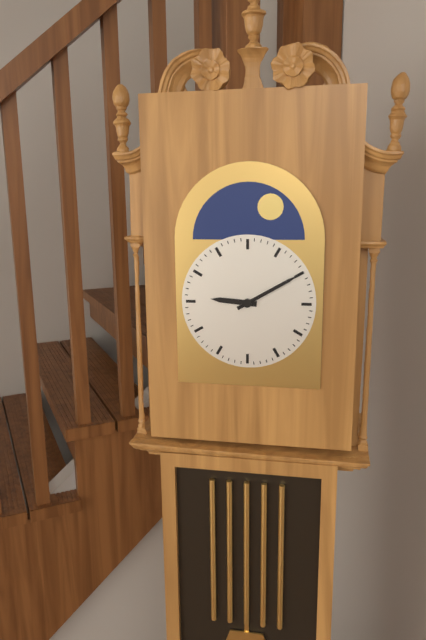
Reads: 9.10
